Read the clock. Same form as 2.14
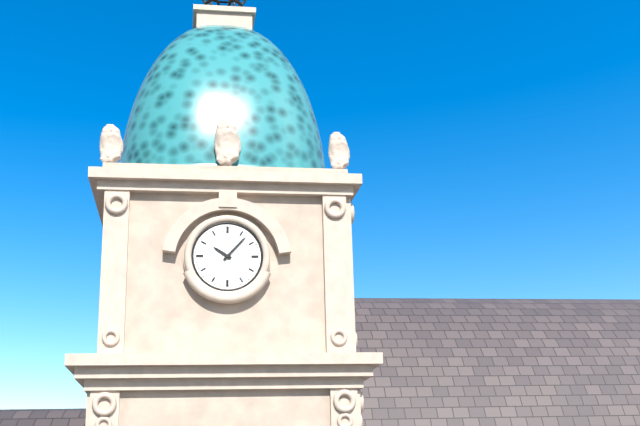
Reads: 10.07
